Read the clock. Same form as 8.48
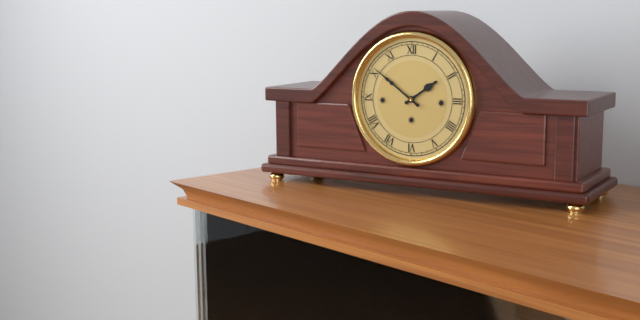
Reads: 1.51
